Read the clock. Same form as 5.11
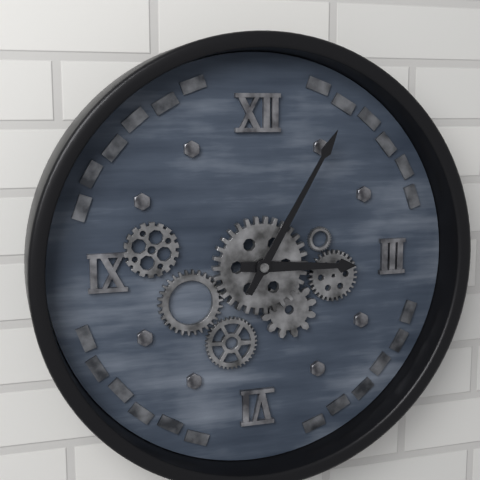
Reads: 3.05
